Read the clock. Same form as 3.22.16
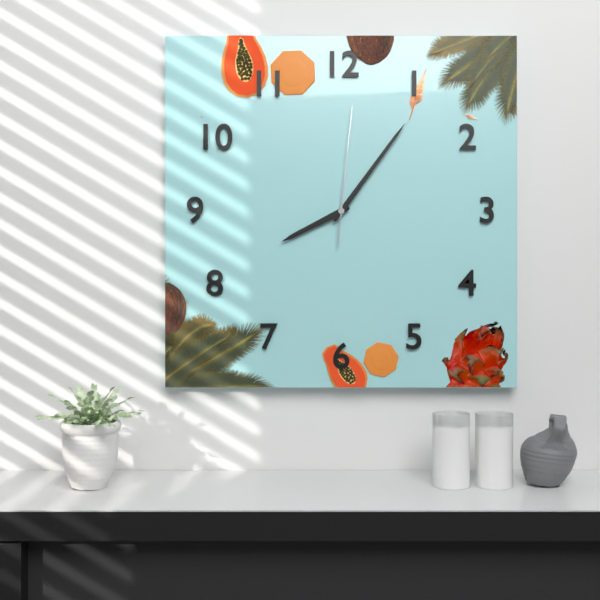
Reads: 8.06.01
